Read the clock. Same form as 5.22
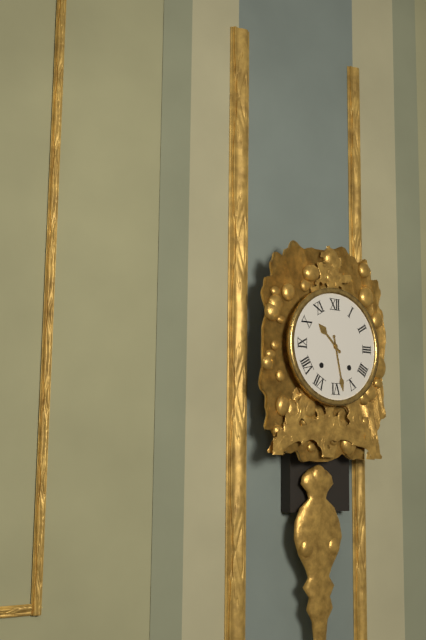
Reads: 10.28
